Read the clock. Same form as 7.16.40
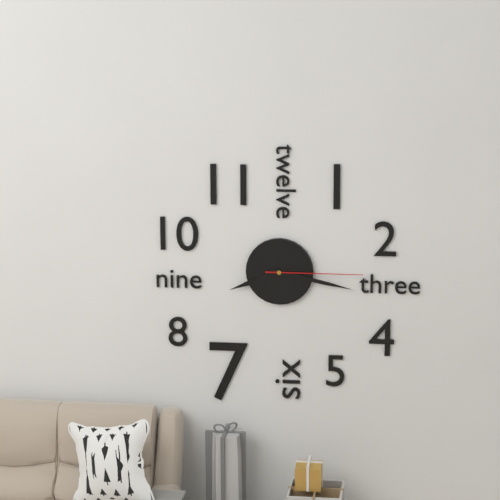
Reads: 8.17.15
